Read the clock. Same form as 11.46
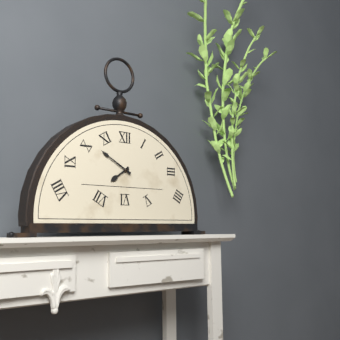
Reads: 7.50
